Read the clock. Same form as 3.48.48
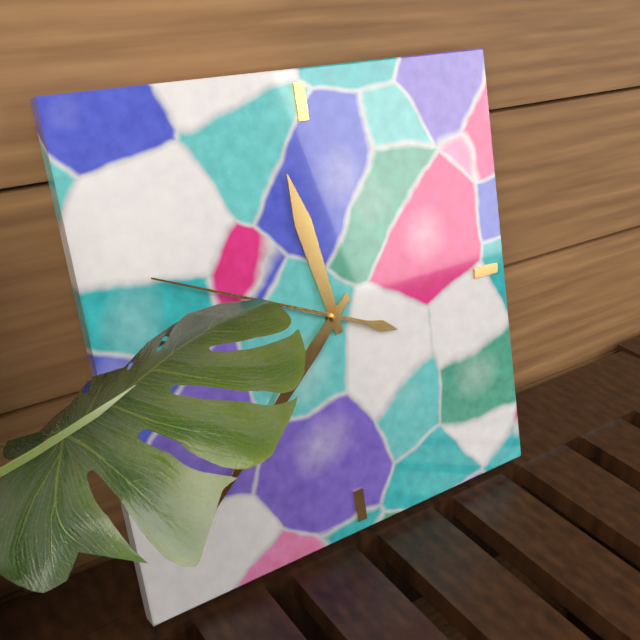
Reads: 11.38.49
